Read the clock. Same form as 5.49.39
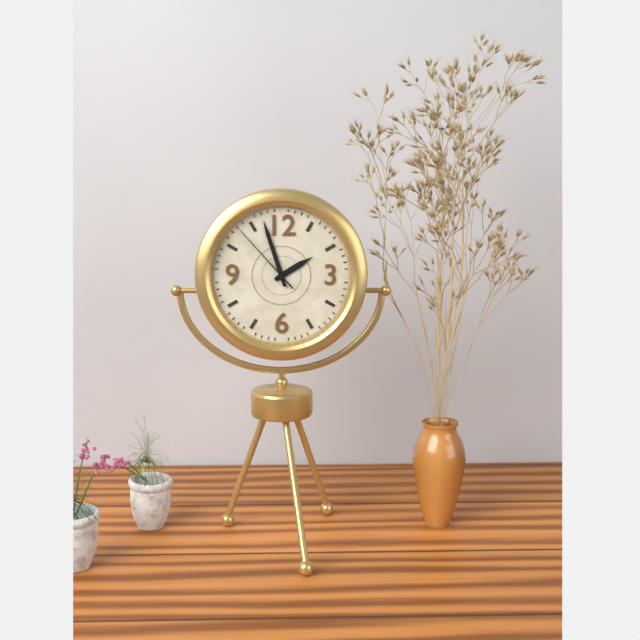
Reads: 1.57.53
